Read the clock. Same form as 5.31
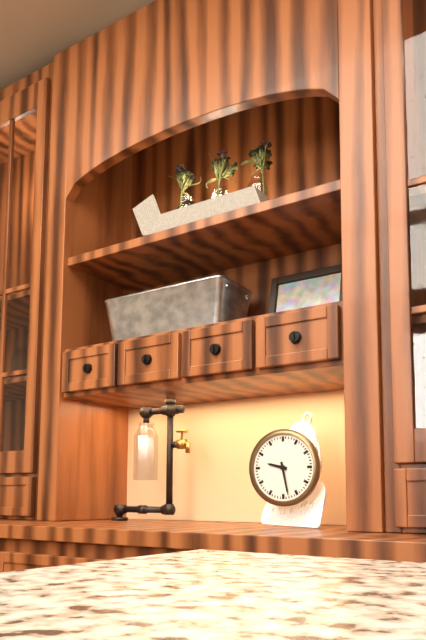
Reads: 9.28
